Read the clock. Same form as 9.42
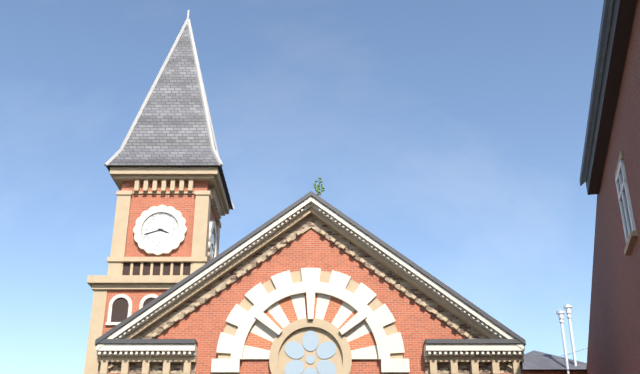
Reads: 3.42
